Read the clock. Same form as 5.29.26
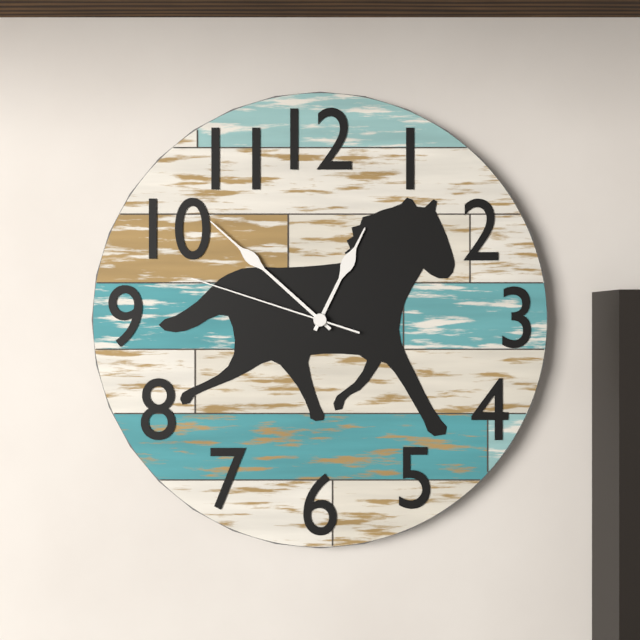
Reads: 12.52.48
